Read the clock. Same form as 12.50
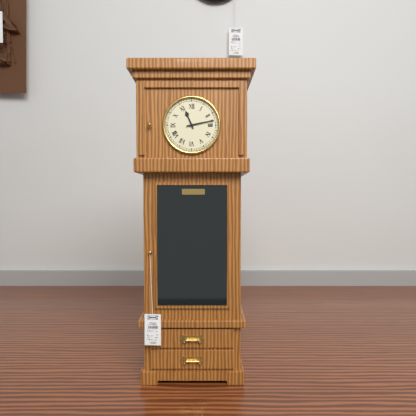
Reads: 11.13
